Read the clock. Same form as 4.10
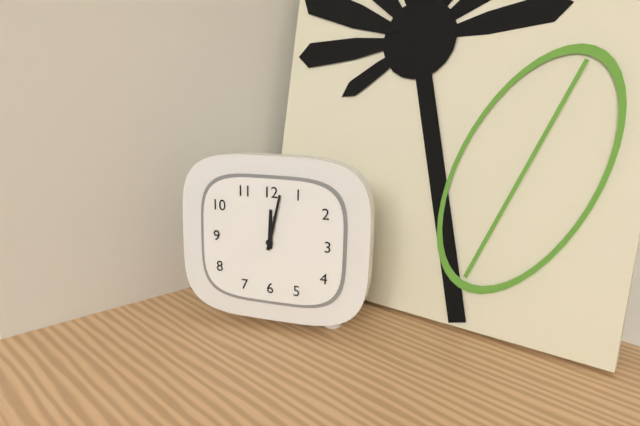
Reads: 12.02
